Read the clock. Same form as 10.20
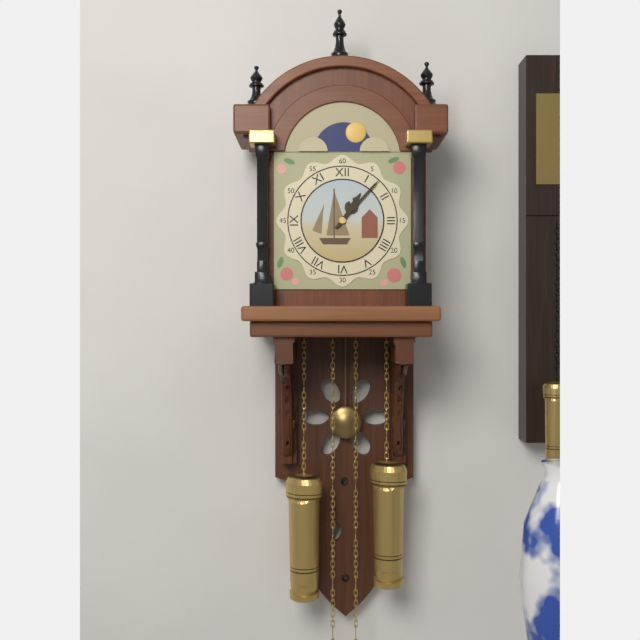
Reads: 1.07
